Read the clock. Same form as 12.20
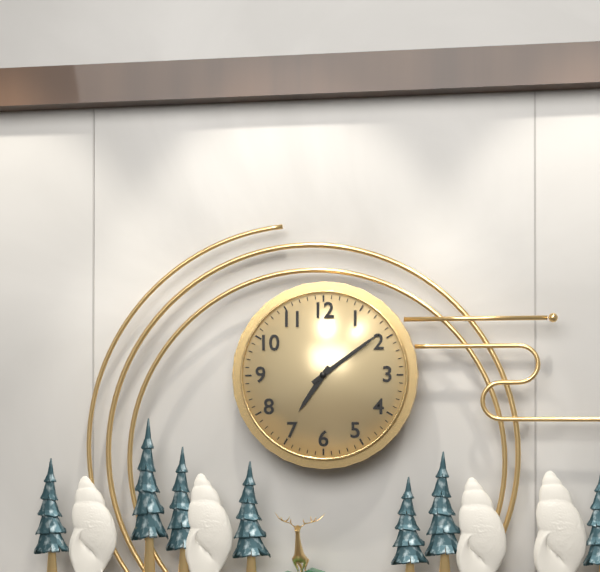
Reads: 7.09
